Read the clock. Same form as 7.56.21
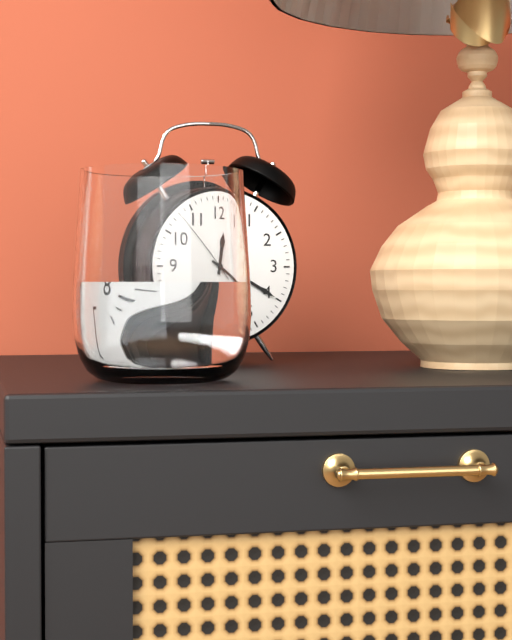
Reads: 12.20.53
